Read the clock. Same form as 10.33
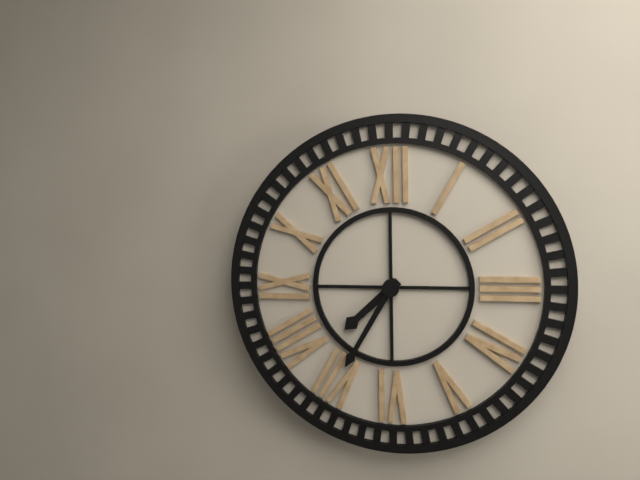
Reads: 7.35
